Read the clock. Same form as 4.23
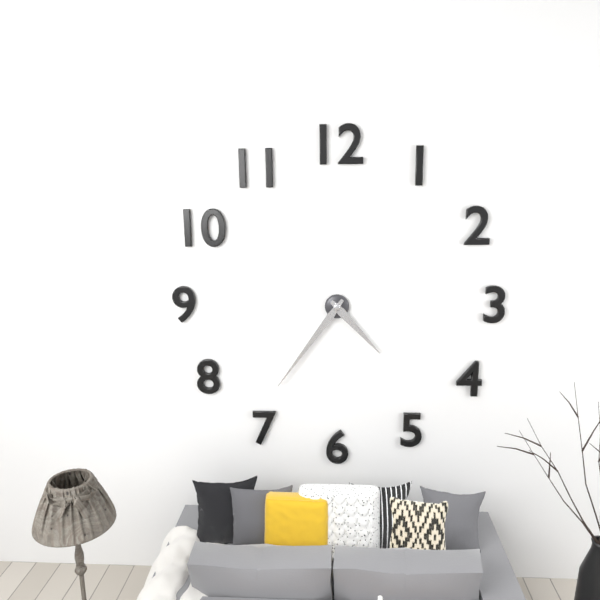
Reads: 4.36
